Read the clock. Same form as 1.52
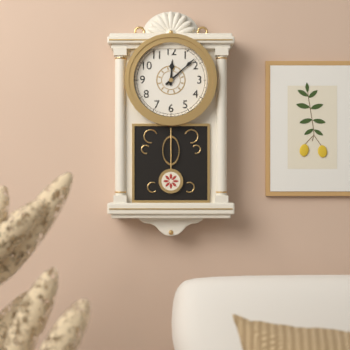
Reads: 12.08
